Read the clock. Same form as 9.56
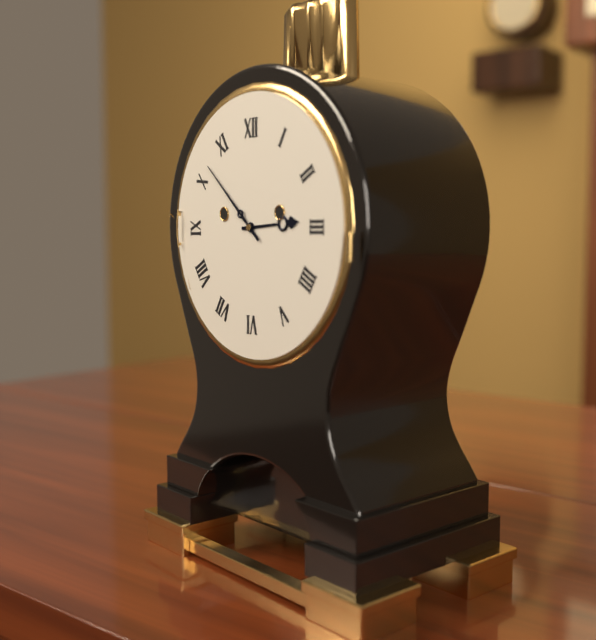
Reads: 2.52
